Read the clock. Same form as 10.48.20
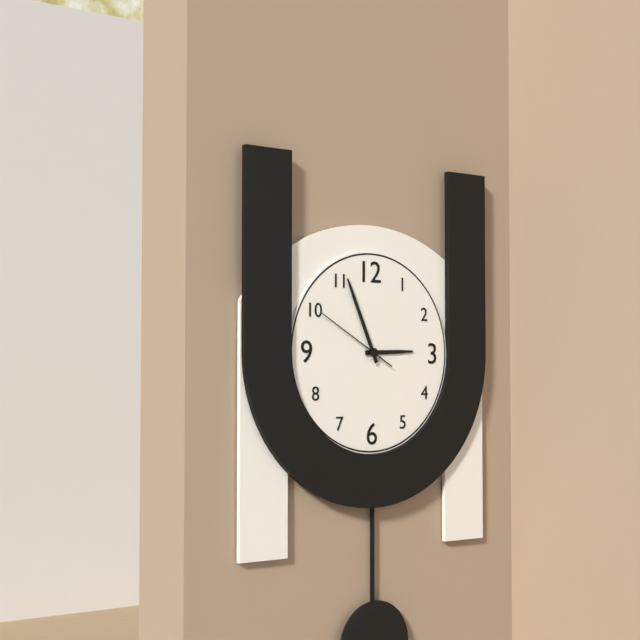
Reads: 2.56.50
